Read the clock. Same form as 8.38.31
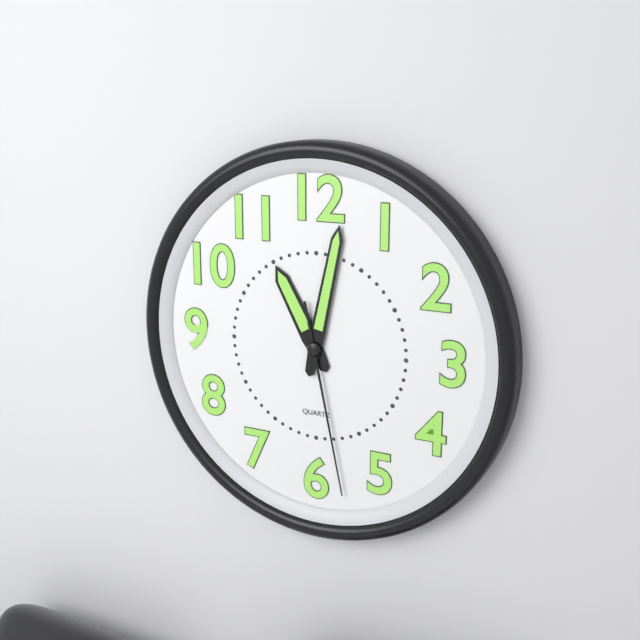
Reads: 11.02.28
